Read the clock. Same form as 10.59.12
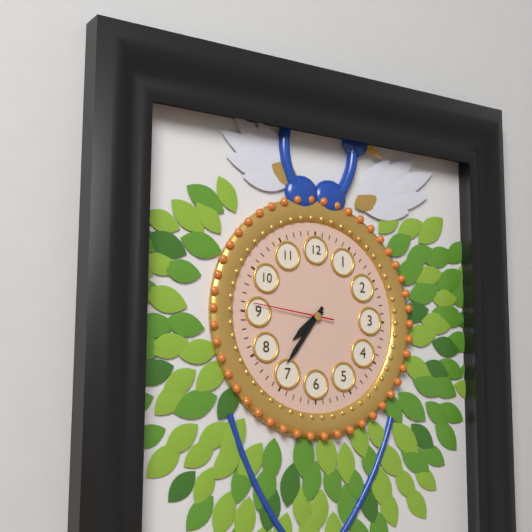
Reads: 7.36.46
